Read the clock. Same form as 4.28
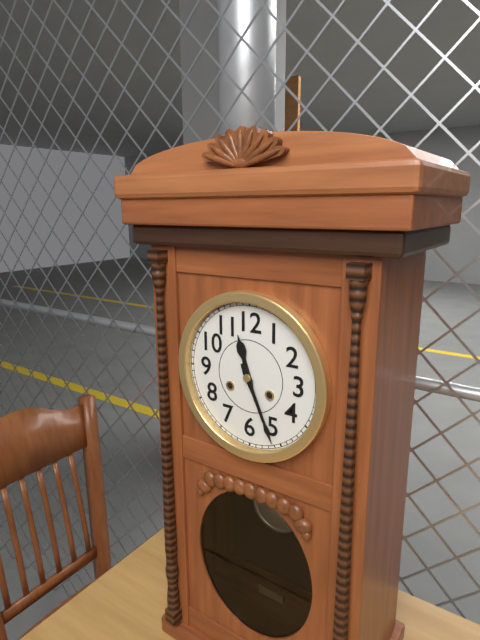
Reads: 11.26
